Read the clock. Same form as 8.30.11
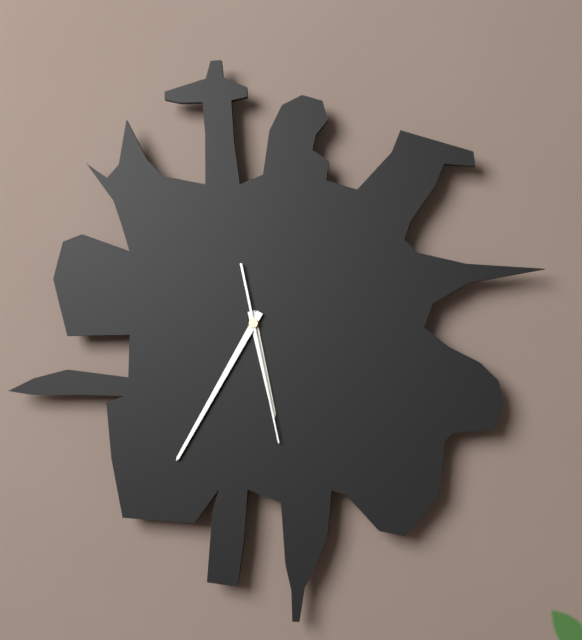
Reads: 5.35.28
